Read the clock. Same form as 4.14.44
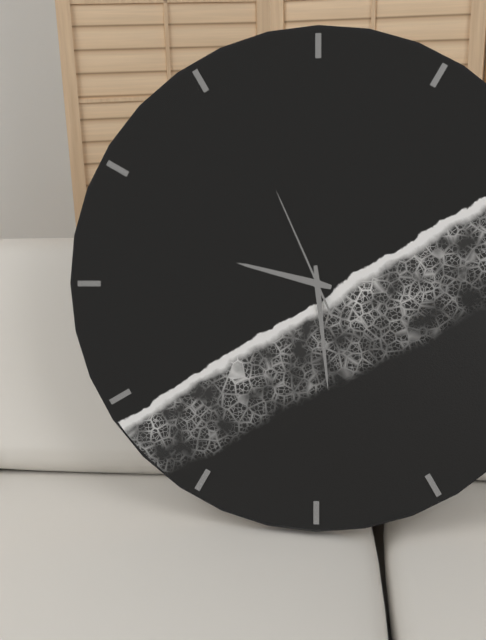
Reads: 9.29.56
